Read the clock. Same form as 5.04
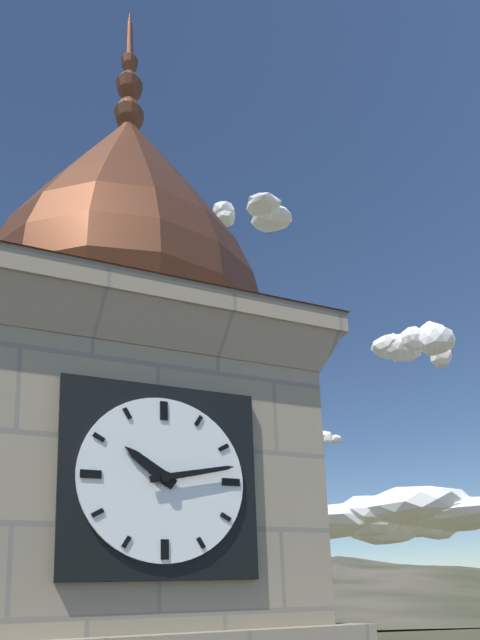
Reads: 10.13
